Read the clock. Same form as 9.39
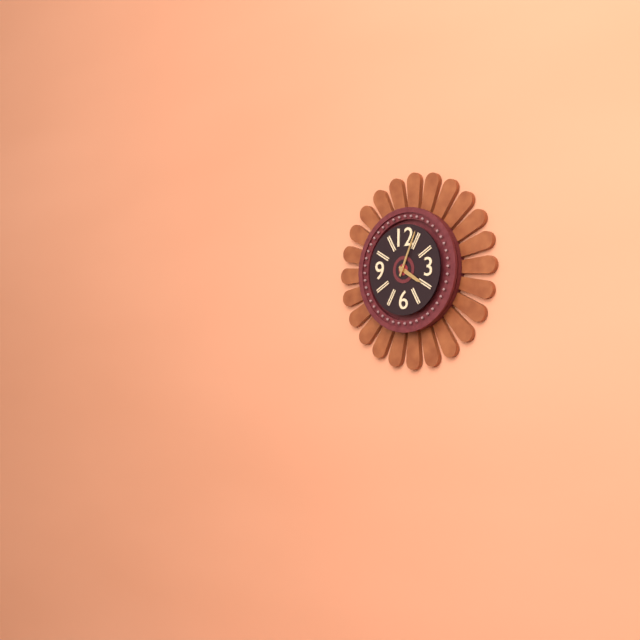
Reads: 4.04
